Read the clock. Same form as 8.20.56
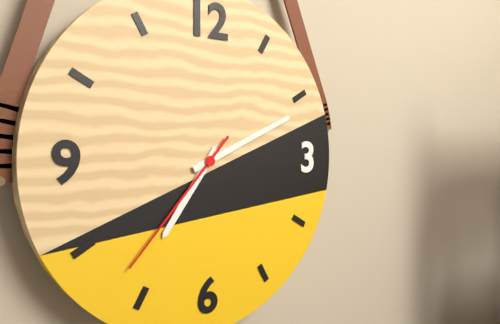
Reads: 7.11.37
